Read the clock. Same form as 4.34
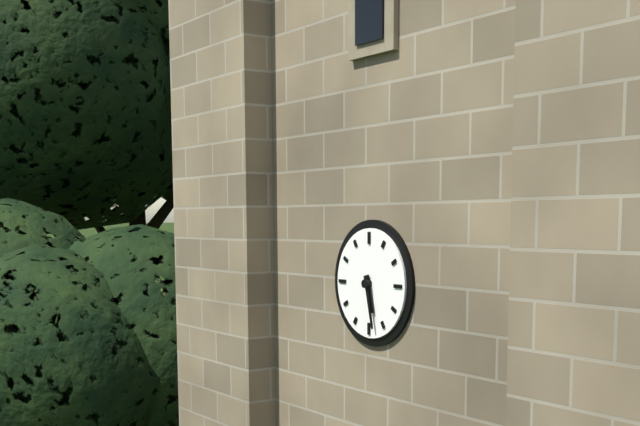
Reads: 5.28
